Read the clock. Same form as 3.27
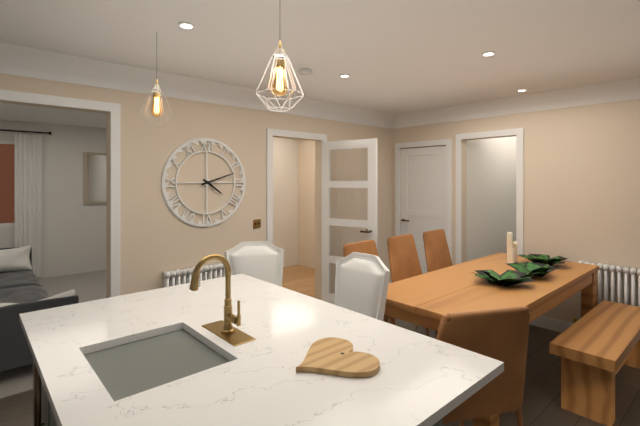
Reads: 4.12
